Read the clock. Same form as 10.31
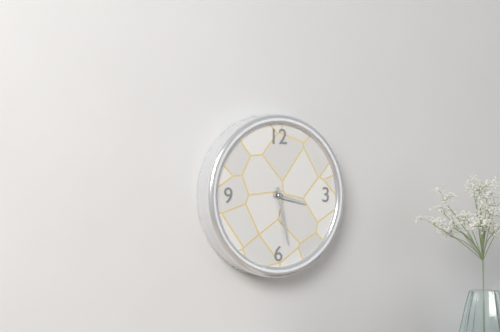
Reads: 3.28
